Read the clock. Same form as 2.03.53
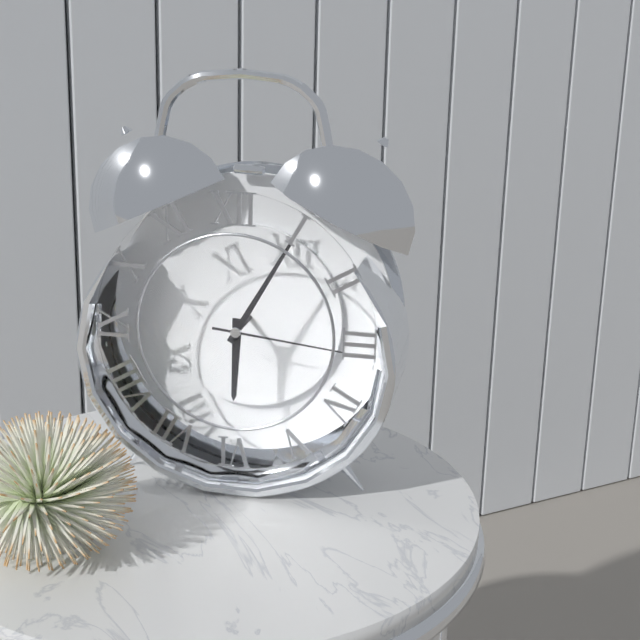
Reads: 6.05.16
